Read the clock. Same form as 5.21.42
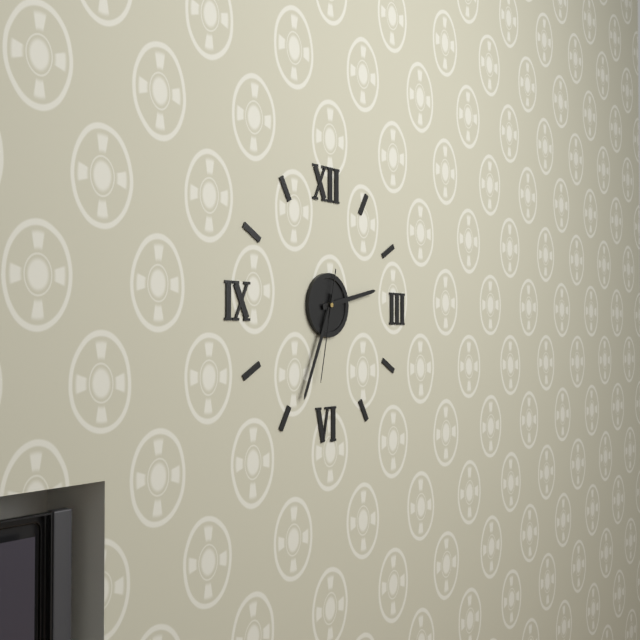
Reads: 2.34.32
